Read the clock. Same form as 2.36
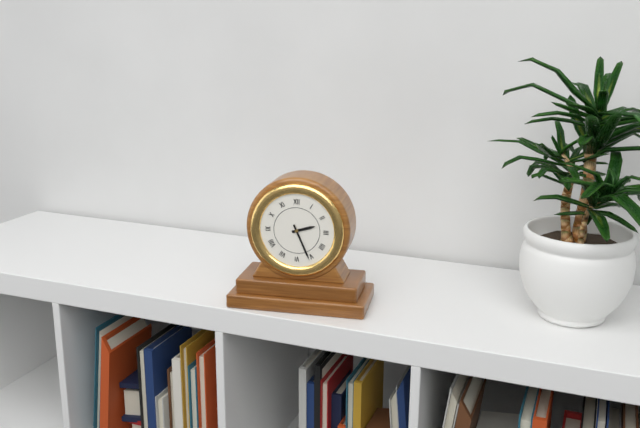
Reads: 2.26
